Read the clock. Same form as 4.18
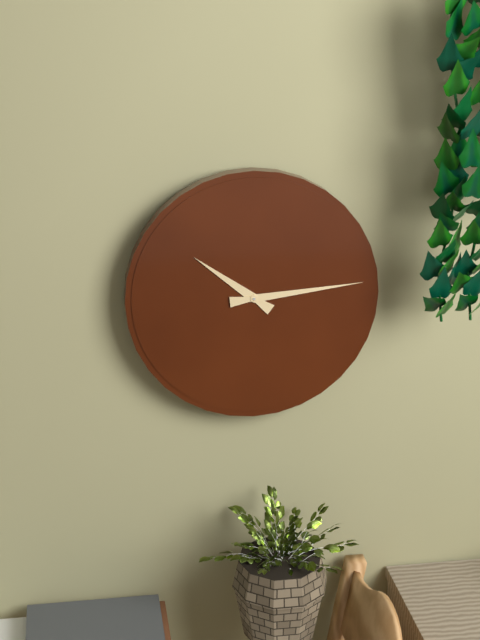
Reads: 10.14
